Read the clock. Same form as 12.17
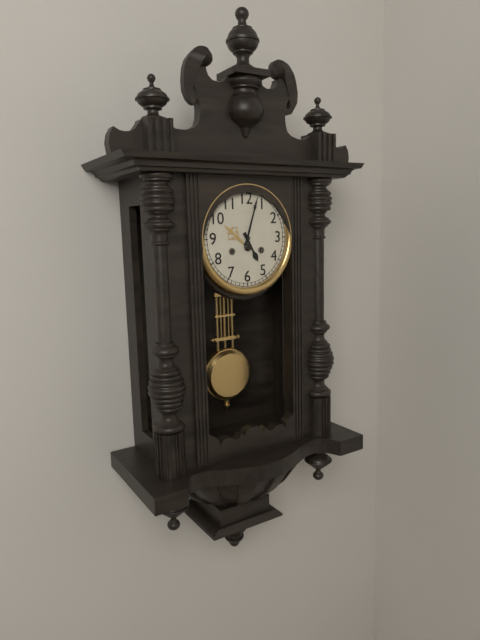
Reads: 5.03
